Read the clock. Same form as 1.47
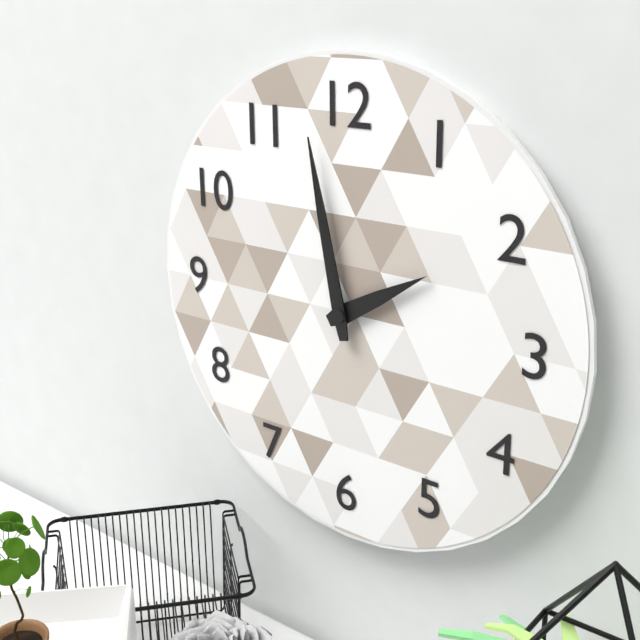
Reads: 1.58
